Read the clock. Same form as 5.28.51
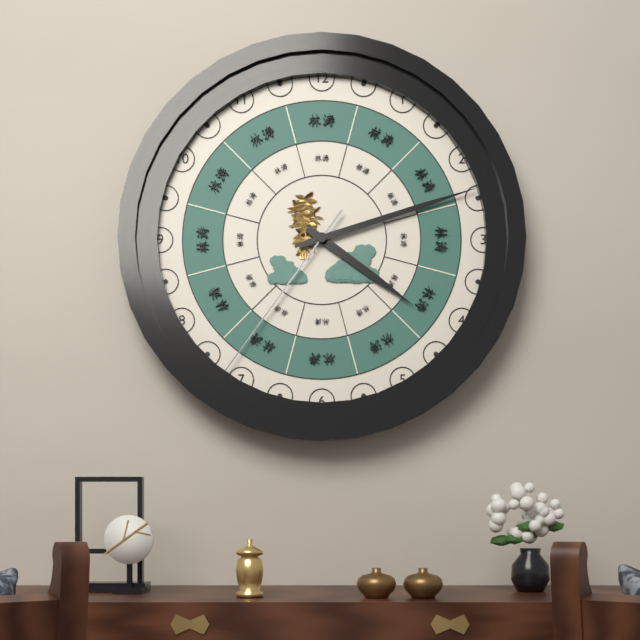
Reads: 4.12.36
